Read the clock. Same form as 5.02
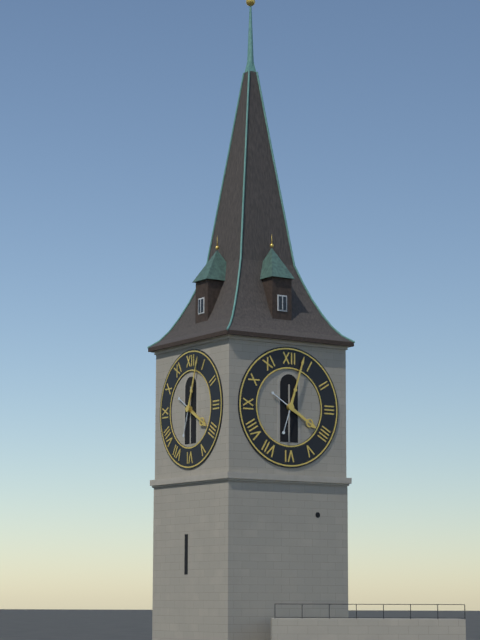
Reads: 4.03
